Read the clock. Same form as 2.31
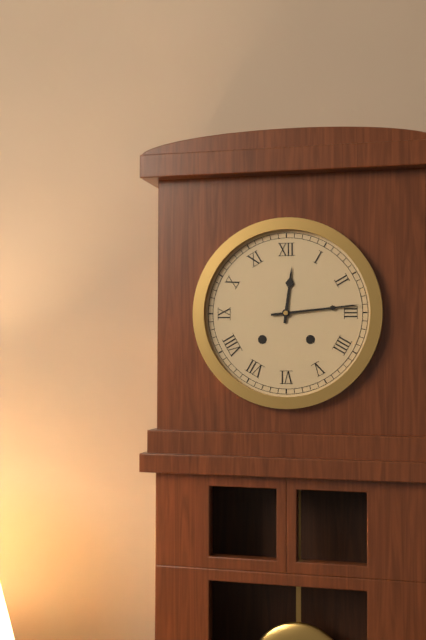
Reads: 12.14
